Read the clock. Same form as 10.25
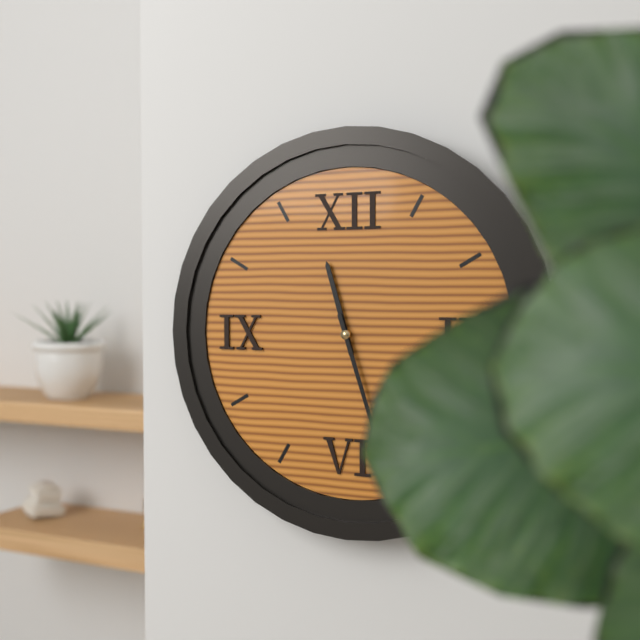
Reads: 11.27
